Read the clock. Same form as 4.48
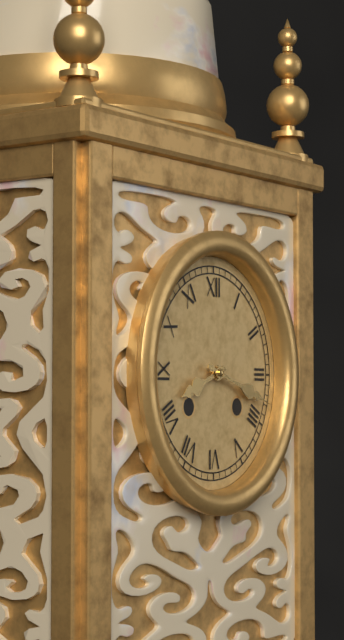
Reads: 8.18
